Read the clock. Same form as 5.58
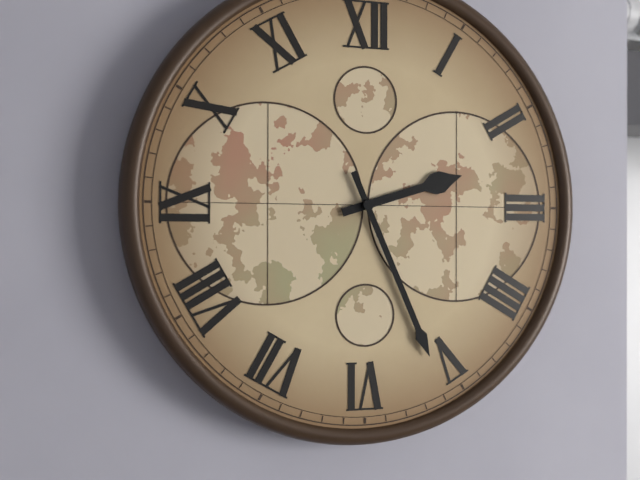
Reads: 2.26
